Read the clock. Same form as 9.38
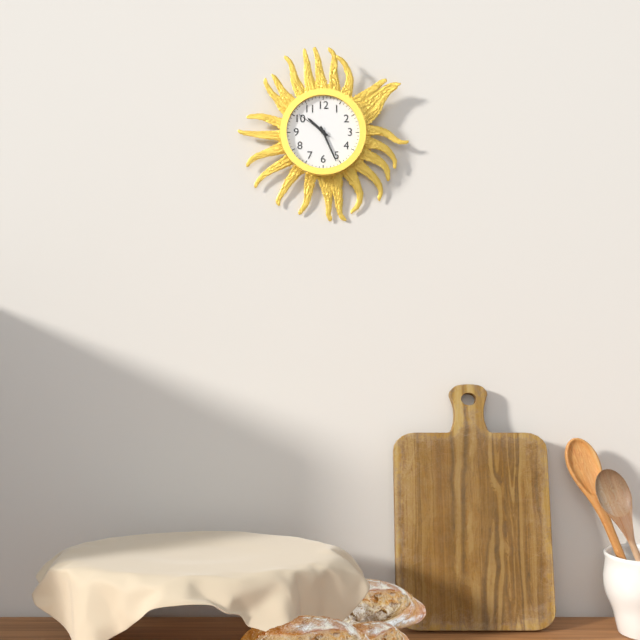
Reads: 10.26
